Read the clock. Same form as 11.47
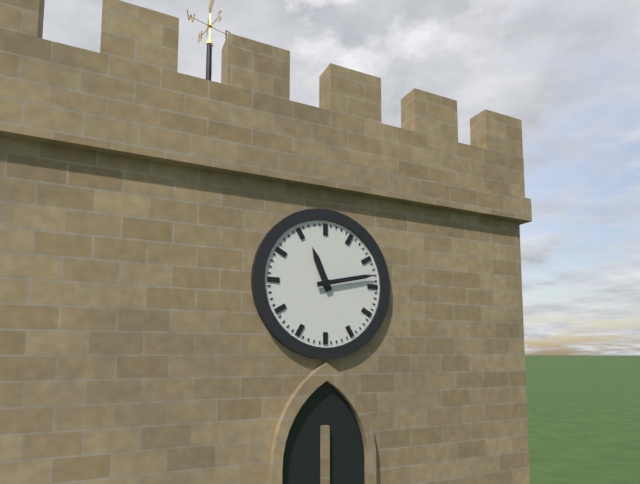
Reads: 11.13
